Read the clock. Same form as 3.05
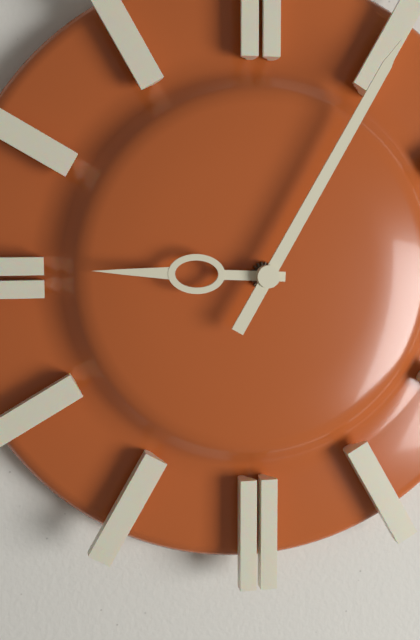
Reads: 9.05
